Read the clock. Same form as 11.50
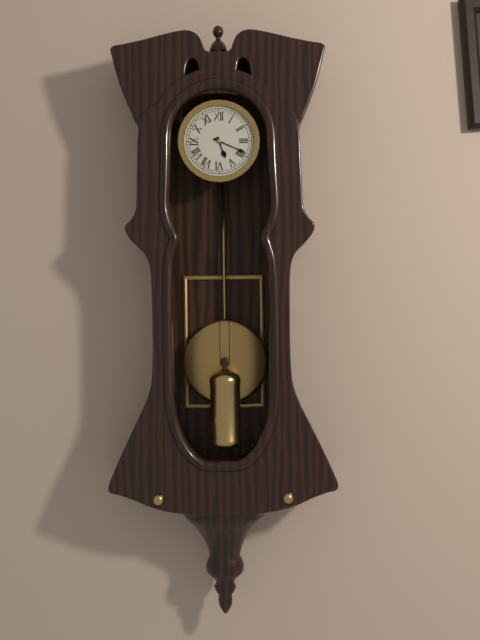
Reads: 5.19
